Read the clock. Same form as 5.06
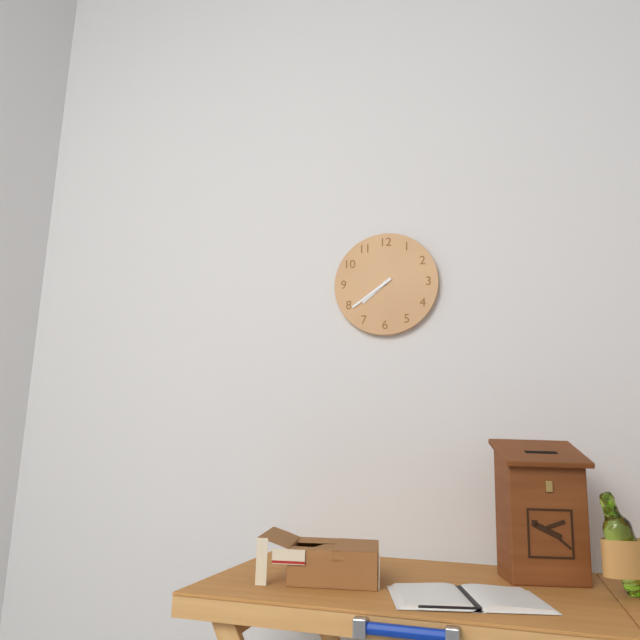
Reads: 7.39
